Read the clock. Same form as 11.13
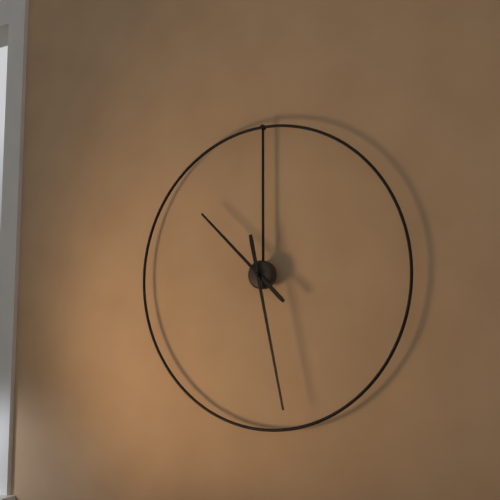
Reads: 10.28
